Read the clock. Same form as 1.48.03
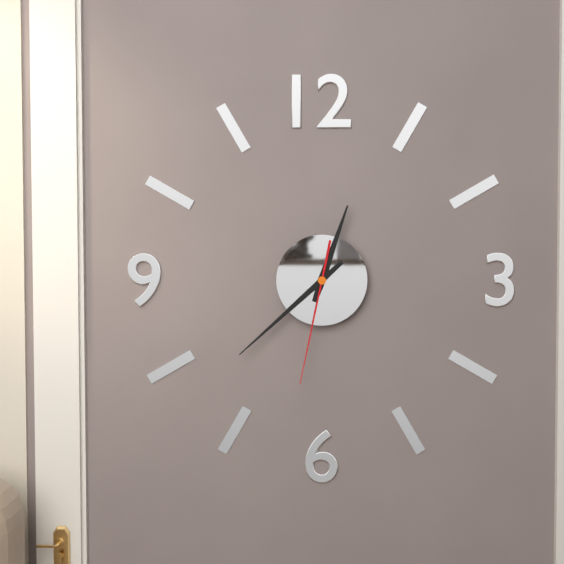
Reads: 12.38.32
